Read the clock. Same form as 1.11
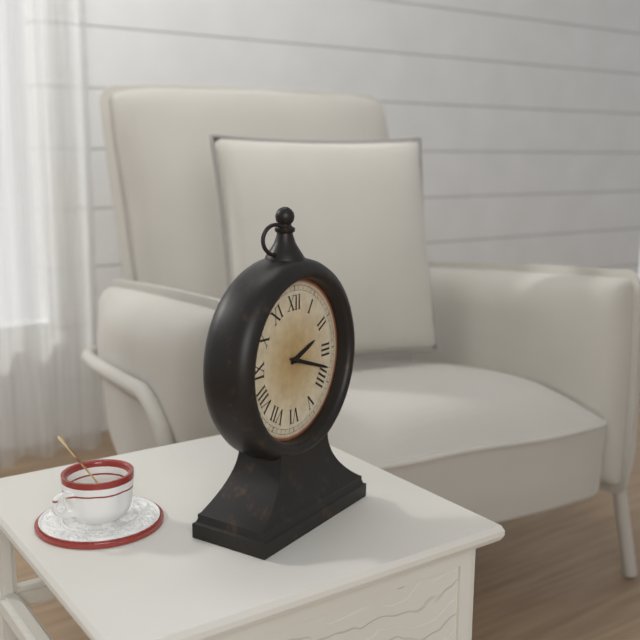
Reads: 2.18
